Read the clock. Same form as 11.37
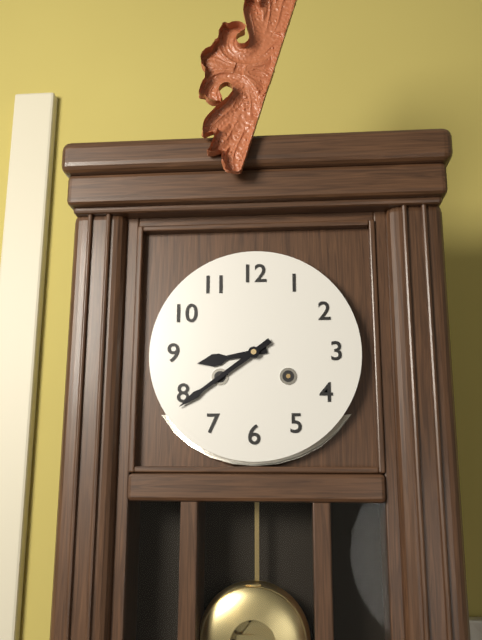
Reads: 8.39
